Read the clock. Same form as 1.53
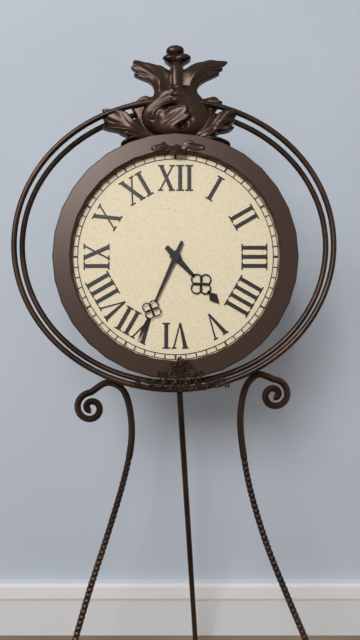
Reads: 4.34
